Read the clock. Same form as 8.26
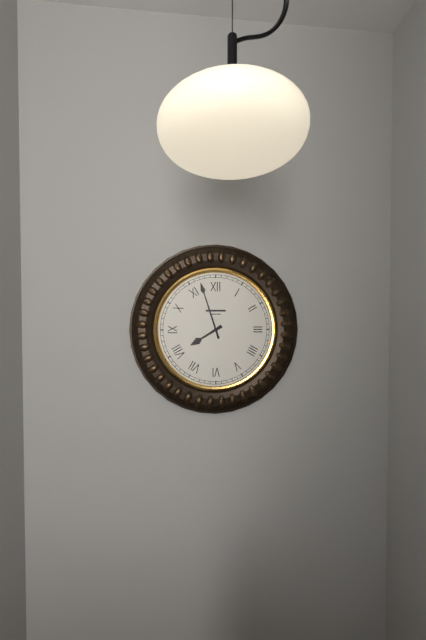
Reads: 7.57
